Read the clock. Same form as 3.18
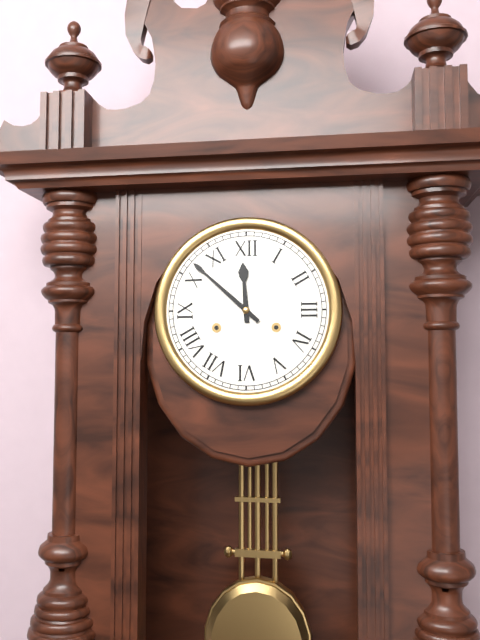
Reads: 11.52
